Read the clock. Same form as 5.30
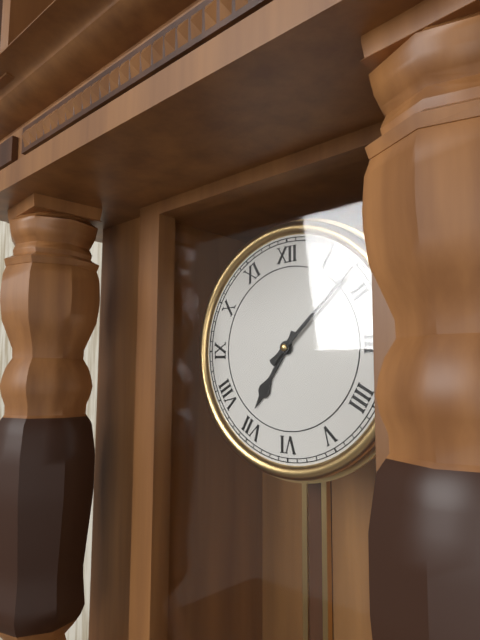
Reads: 7.08
